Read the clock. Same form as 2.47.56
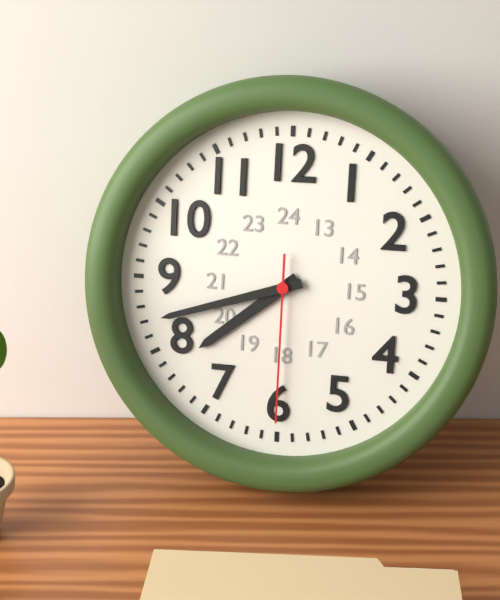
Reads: 7.42.30
